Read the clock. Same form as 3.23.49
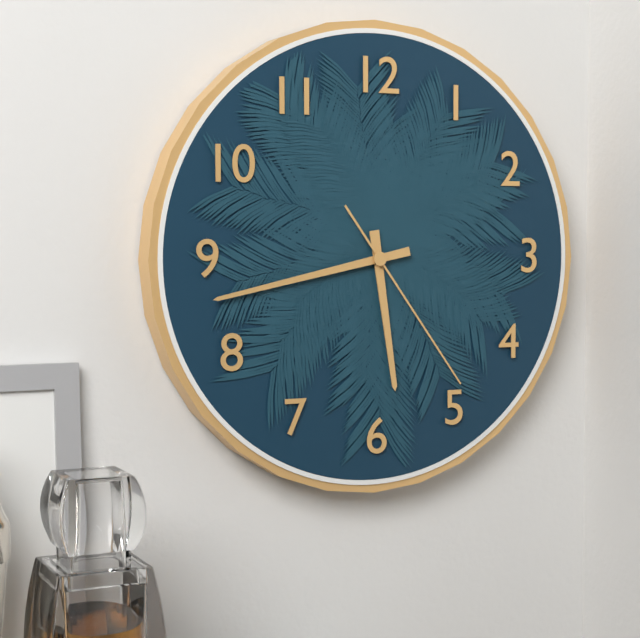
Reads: 5.43.24
